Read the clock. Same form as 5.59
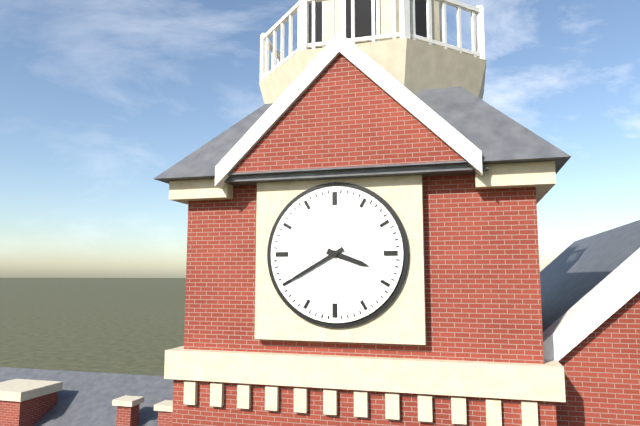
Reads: 3.40
